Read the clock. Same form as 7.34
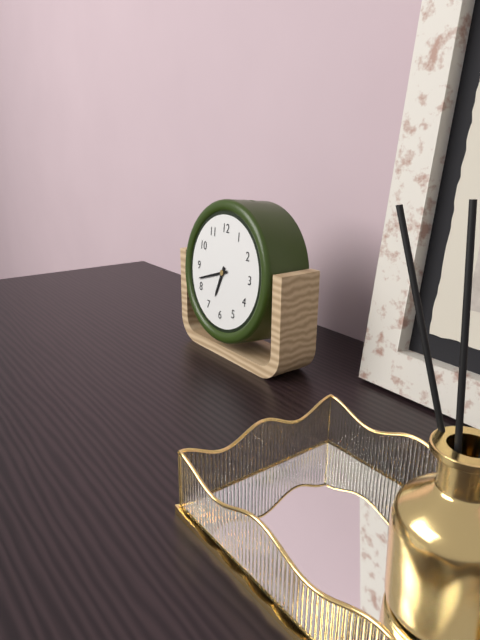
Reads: 6.42
